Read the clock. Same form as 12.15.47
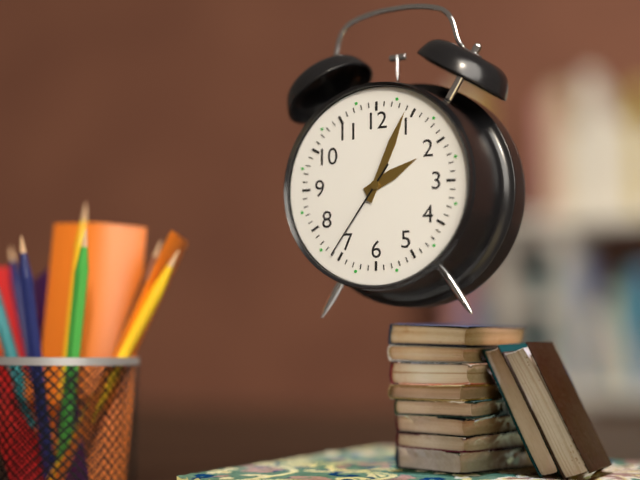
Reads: 2.04.36
